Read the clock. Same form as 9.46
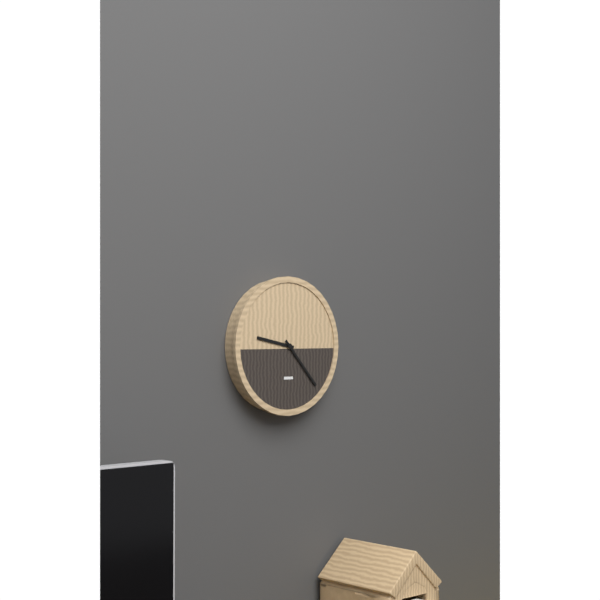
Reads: 9.23
